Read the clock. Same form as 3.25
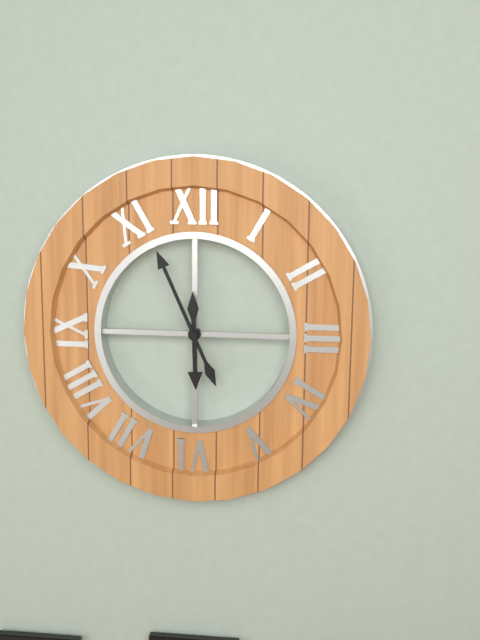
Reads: 5.56
